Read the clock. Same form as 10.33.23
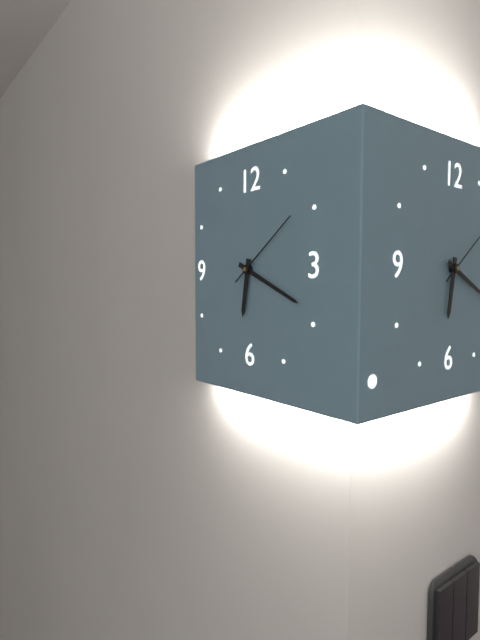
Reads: 6.19.09
